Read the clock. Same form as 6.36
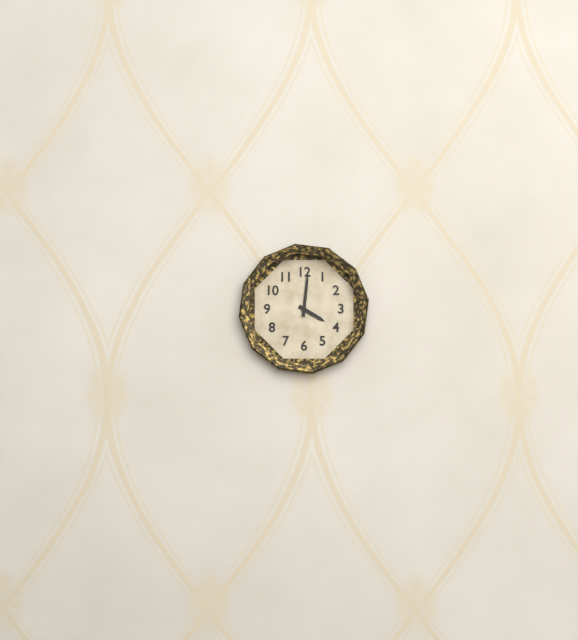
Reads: 4.01
